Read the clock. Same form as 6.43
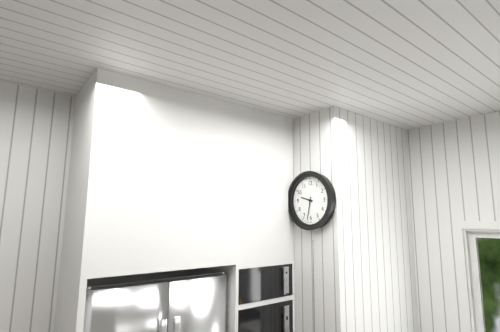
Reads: 9.32
